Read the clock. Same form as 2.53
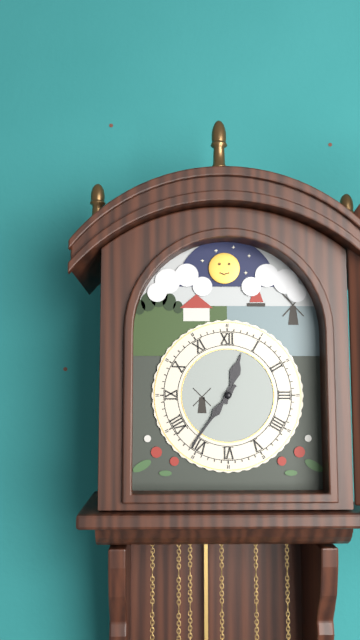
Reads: 12.36
